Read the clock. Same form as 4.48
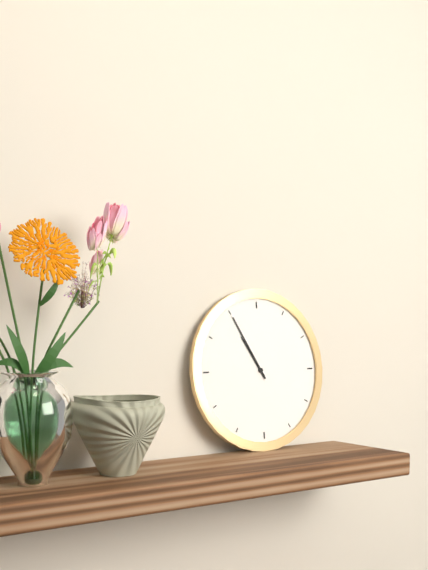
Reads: 10.55
